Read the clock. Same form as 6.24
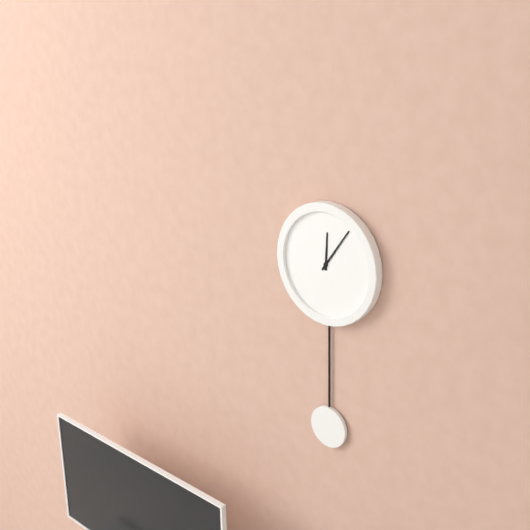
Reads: 12.06
